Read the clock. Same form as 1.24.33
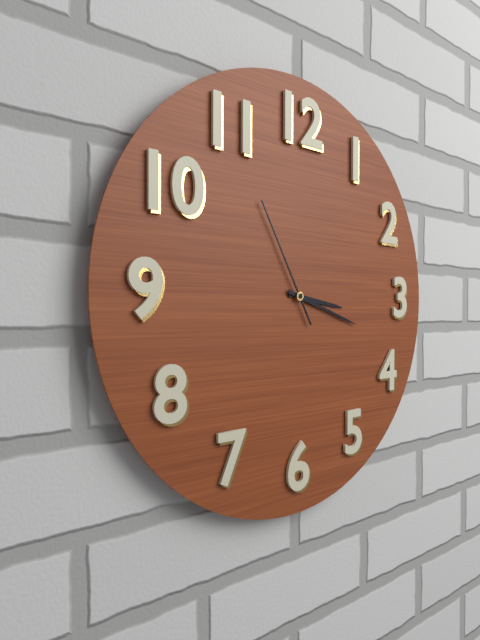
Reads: 3.18.55
